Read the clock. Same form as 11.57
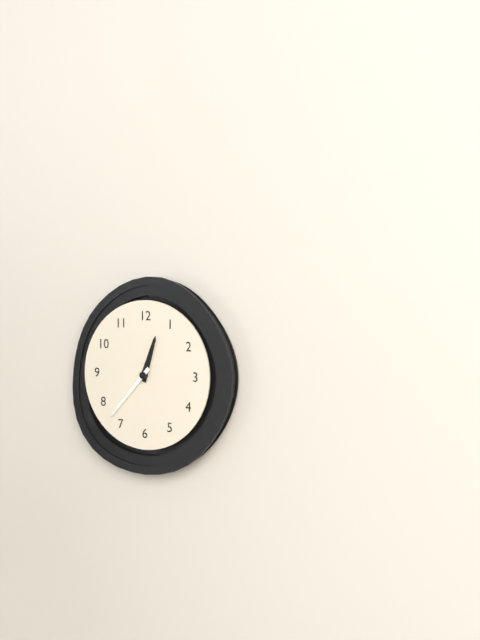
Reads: 12.37
